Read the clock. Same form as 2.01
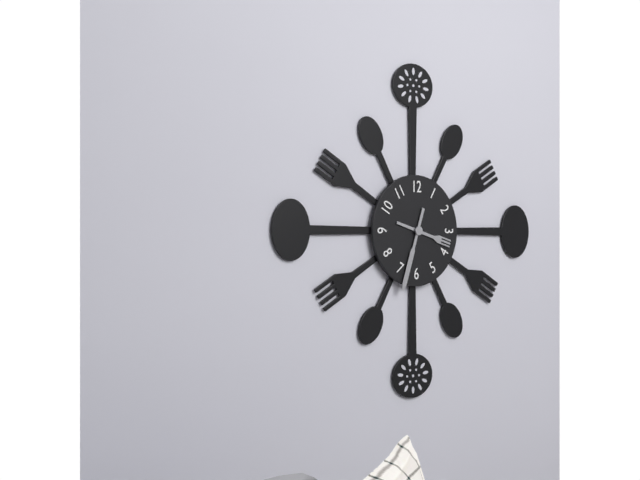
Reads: 3.33
